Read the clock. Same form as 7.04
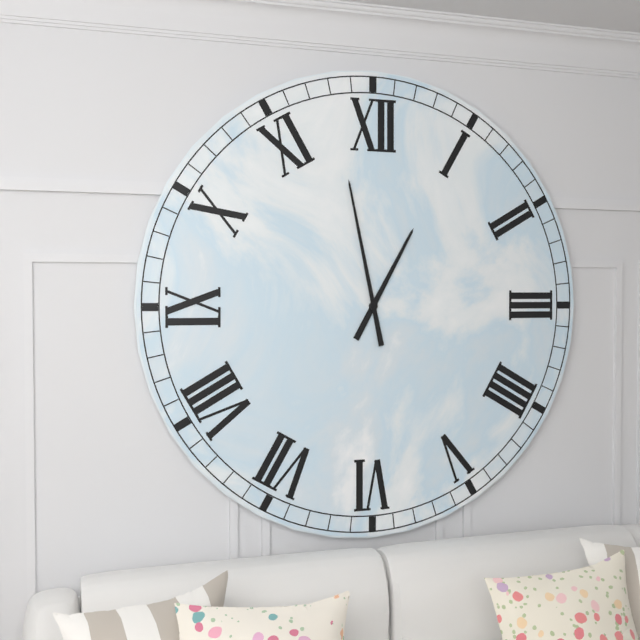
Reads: 12.58
